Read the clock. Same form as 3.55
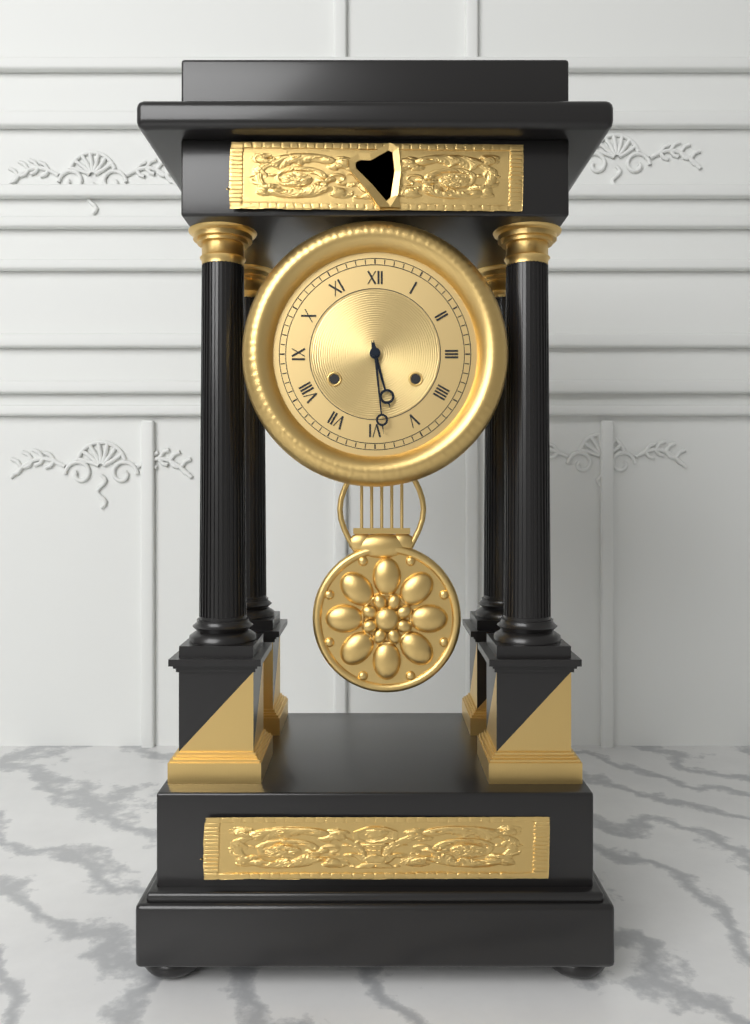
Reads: 5.29
